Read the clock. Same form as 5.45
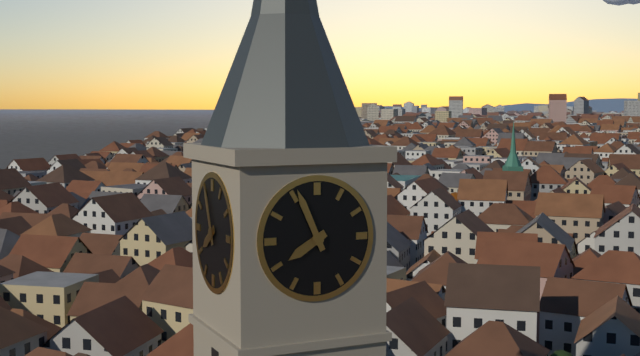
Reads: 7.56
